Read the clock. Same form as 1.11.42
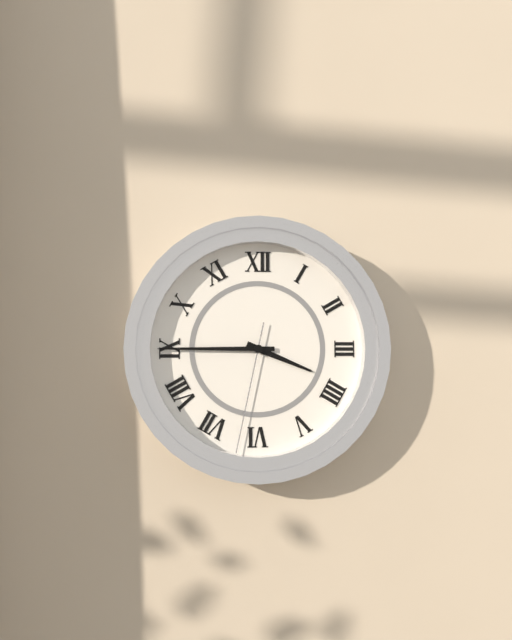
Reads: 3.45.32
